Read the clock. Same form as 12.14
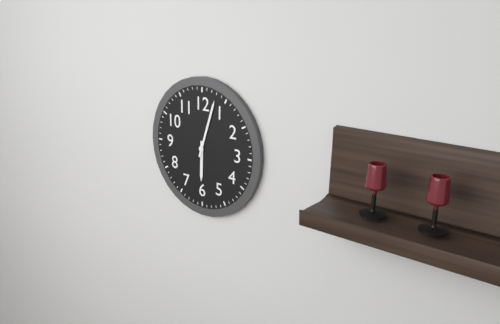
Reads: 6.03
